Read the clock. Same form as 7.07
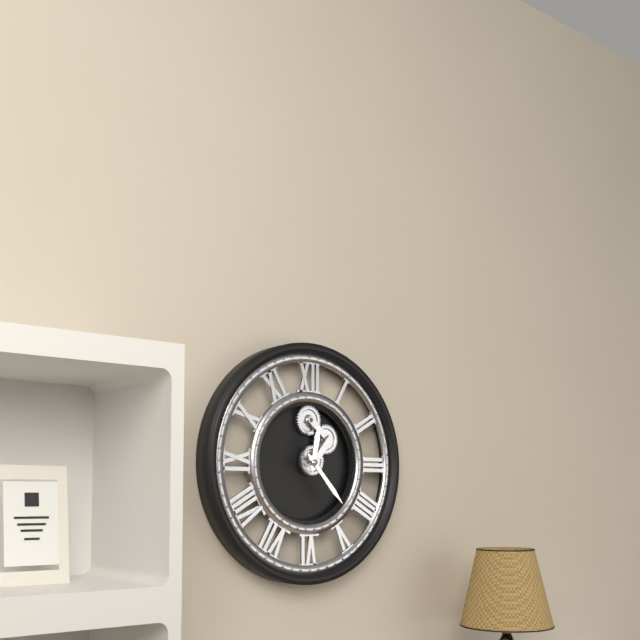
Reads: 12.23
